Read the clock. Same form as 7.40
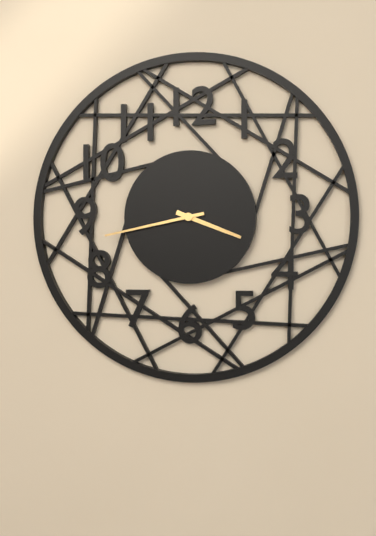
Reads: 3.43
